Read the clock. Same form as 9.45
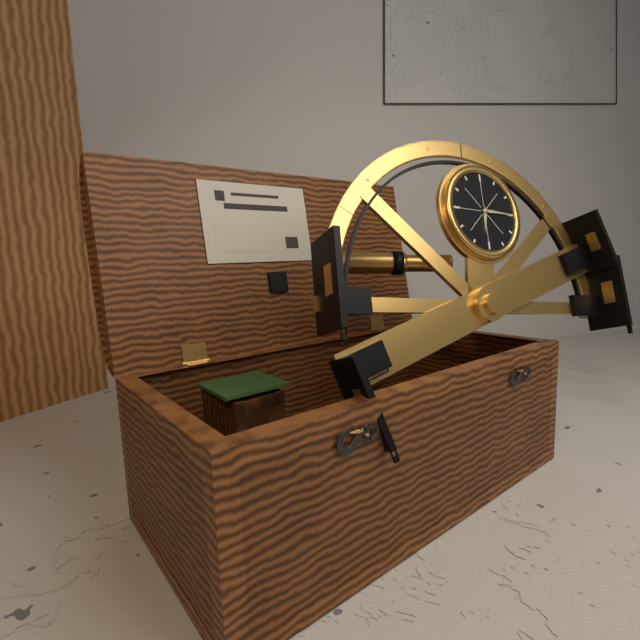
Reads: 6.15
